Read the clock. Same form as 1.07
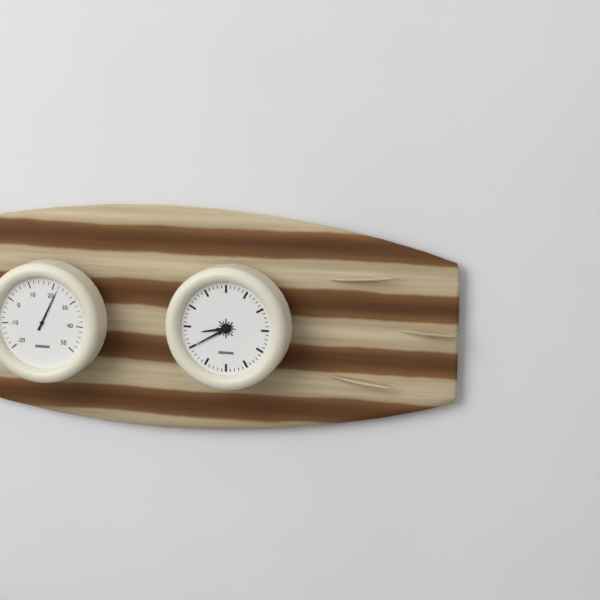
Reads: 8.40
